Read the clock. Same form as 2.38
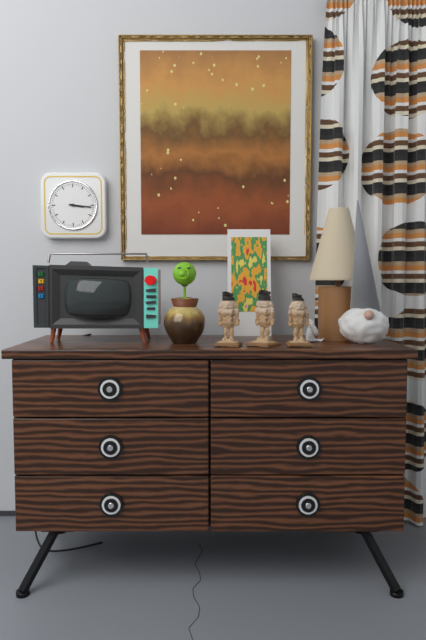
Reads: 3.16
